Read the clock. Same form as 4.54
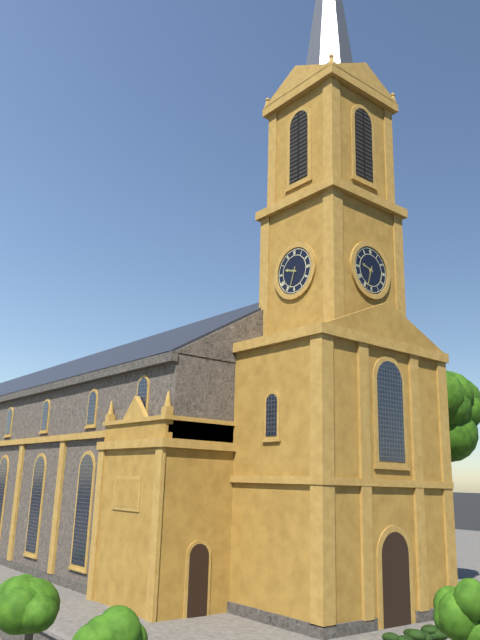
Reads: 9.33
